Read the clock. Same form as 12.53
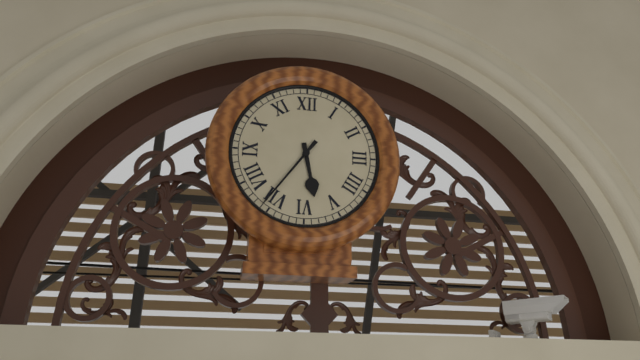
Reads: 5.36
